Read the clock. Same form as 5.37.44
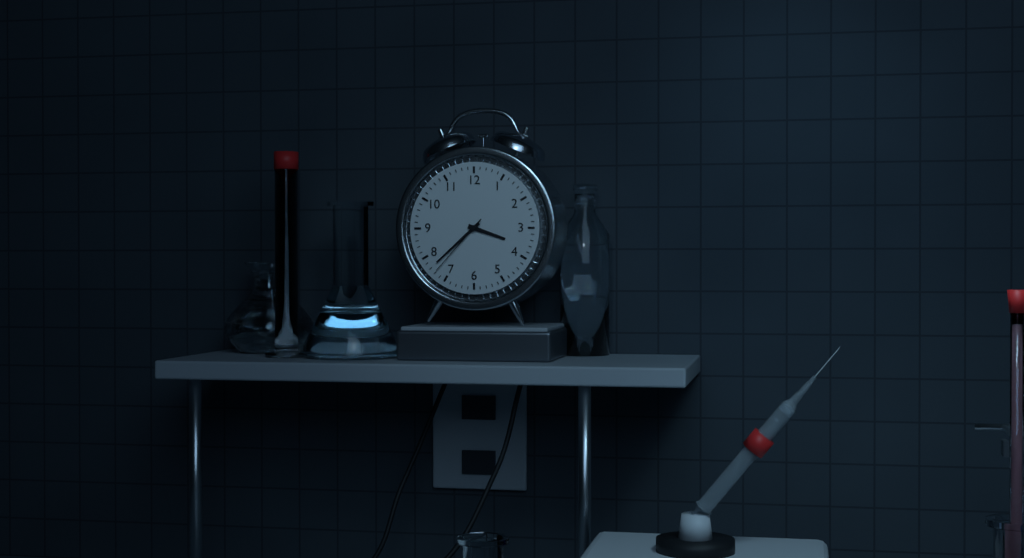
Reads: 3.38.37
